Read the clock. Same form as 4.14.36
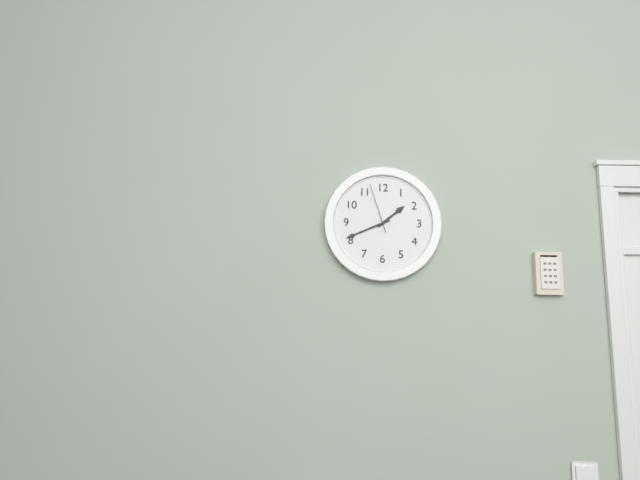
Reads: 1.41.57
